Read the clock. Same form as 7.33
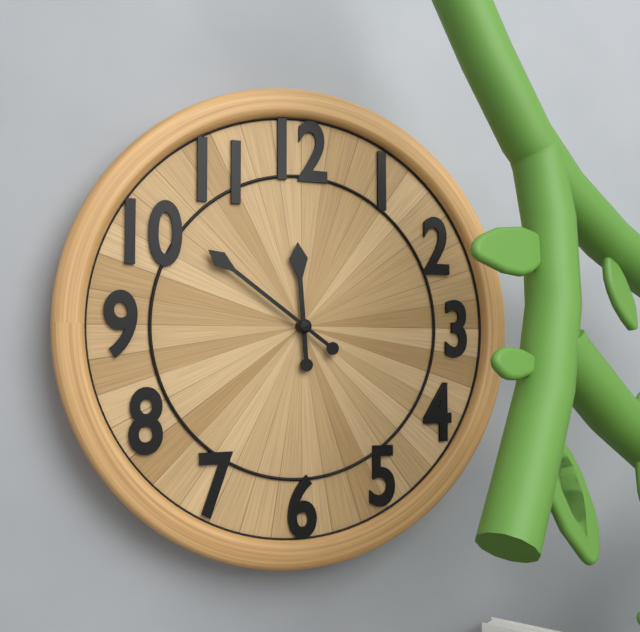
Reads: 11.51
